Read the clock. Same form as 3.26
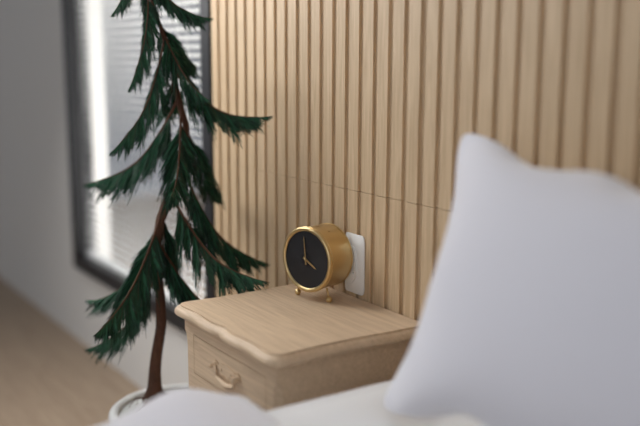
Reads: 3.59
